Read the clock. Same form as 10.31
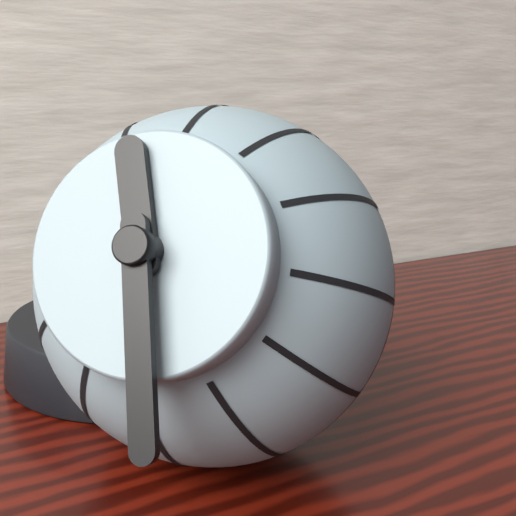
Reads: 11.28
